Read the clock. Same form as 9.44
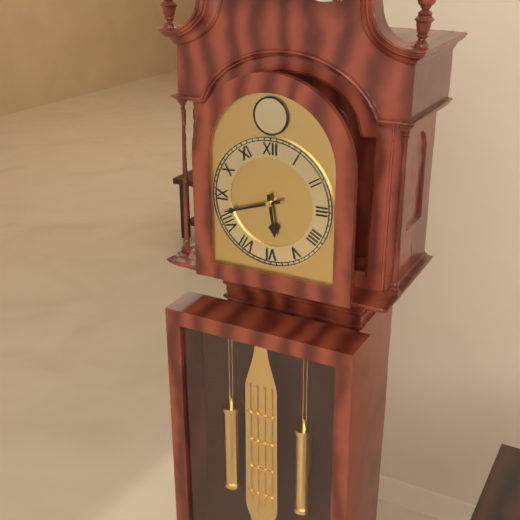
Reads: 5.42
